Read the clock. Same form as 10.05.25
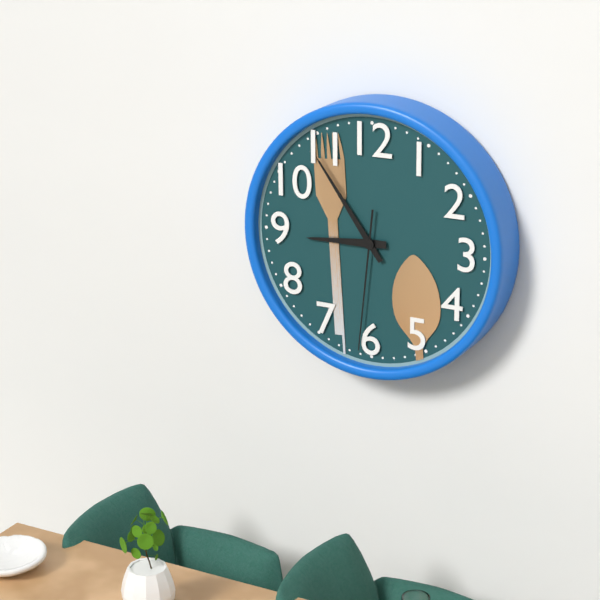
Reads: 8.54.31
